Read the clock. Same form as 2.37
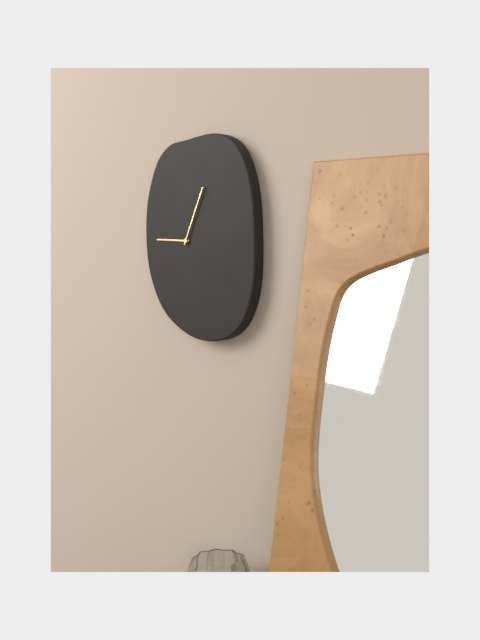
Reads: 9.04
